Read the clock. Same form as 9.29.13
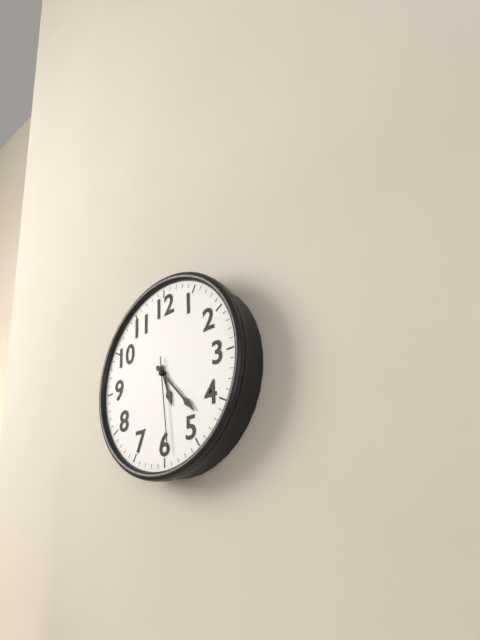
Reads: 5.23.29
